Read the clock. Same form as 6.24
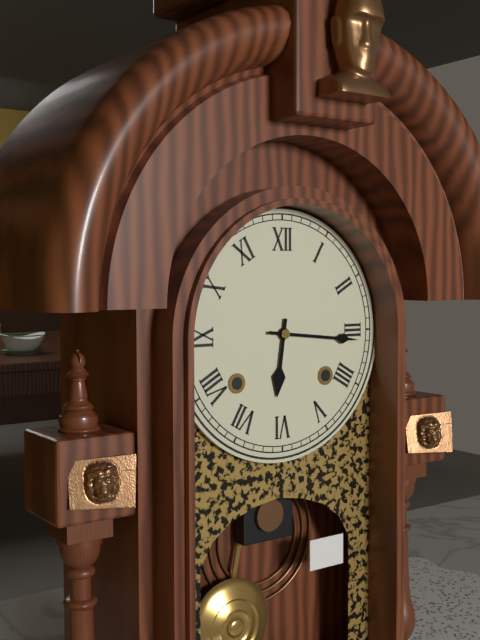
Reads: 6.16
